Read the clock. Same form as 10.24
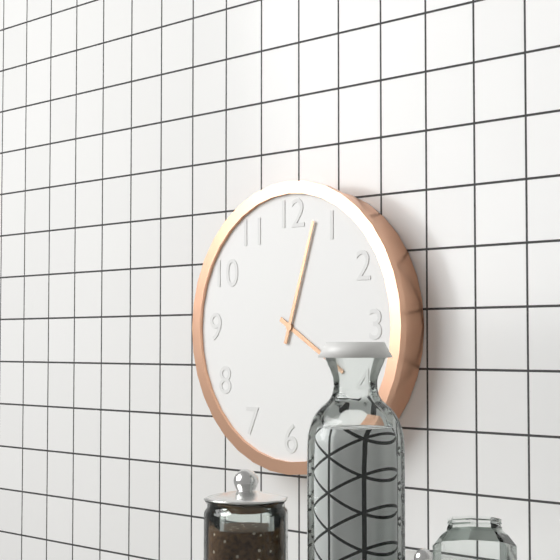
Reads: 4.03
